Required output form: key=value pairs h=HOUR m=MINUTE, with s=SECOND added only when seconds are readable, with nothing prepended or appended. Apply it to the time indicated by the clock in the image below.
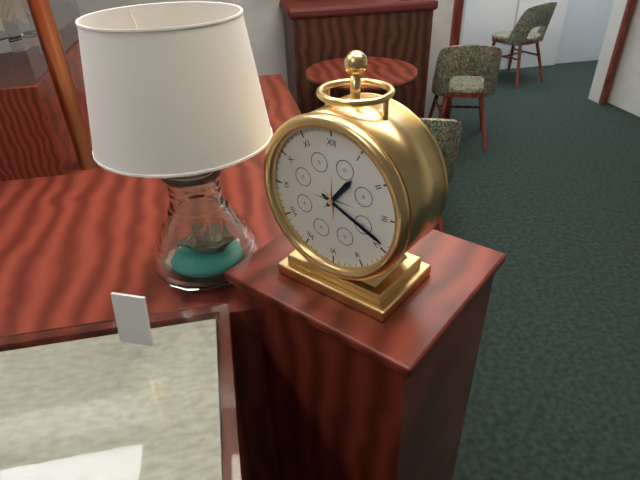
h=1 m=19
